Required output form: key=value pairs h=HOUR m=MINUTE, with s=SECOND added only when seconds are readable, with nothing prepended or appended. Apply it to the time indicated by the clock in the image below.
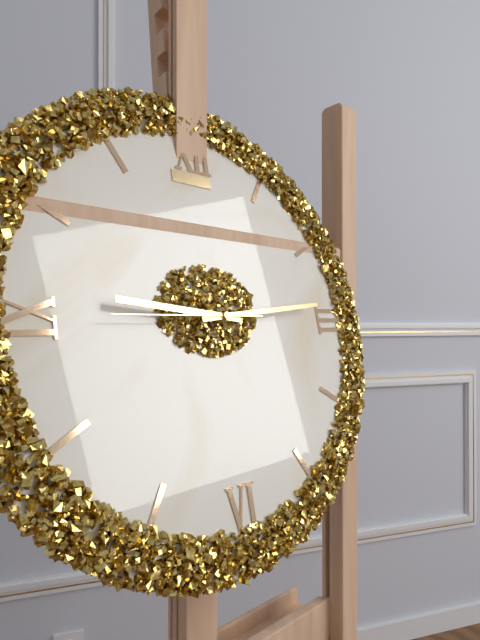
h=9 m=14 s=45
